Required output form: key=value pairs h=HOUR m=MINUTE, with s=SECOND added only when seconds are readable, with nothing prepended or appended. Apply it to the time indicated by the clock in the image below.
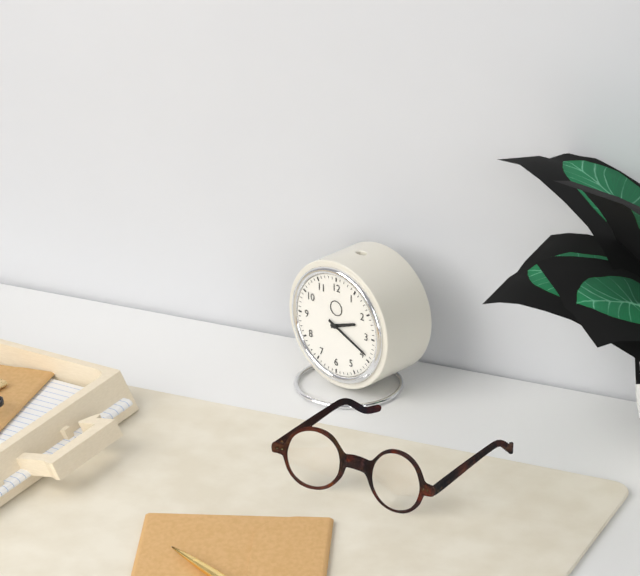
h=2 m=19
